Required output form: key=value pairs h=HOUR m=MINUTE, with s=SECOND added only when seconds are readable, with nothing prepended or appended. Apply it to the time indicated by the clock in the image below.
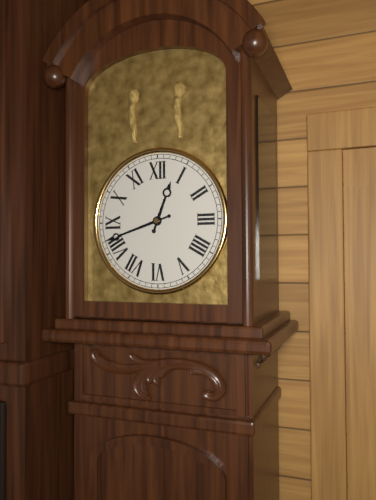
h=12 m=42
